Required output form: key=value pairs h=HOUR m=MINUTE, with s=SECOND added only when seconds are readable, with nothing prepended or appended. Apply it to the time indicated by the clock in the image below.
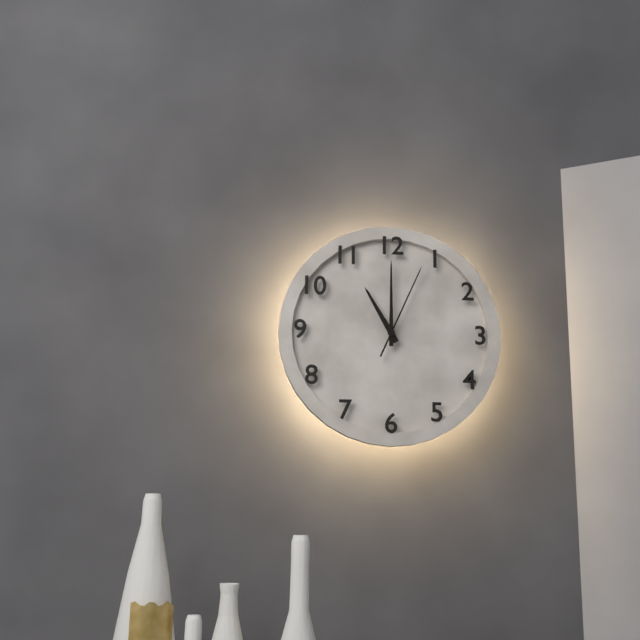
h=11 m=0 s=4
